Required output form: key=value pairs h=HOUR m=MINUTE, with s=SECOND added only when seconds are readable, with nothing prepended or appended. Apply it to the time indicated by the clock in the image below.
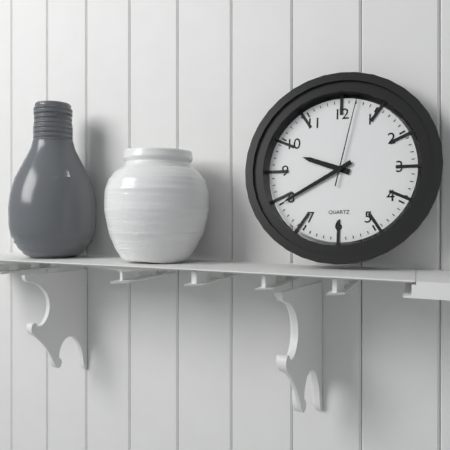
h=9 m=40 s=2
